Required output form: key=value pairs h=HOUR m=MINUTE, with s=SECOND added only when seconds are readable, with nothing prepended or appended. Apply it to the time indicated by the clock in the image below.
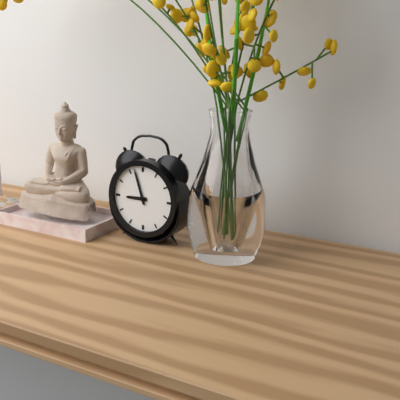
h=8 m=57
